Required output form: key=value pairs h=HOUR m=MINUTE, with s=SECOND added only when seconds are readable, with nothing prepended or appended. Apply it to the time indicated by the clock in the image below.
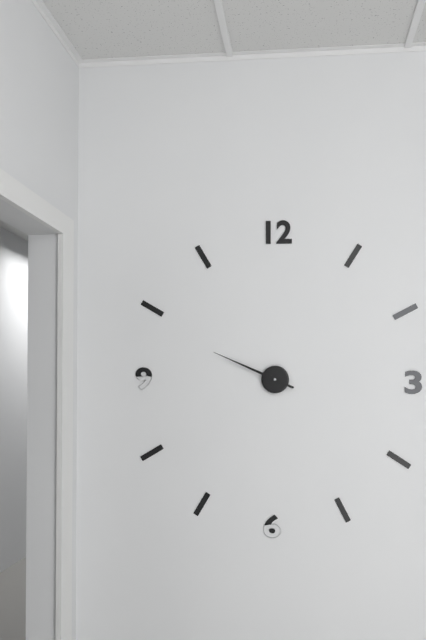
h=9 m=49
